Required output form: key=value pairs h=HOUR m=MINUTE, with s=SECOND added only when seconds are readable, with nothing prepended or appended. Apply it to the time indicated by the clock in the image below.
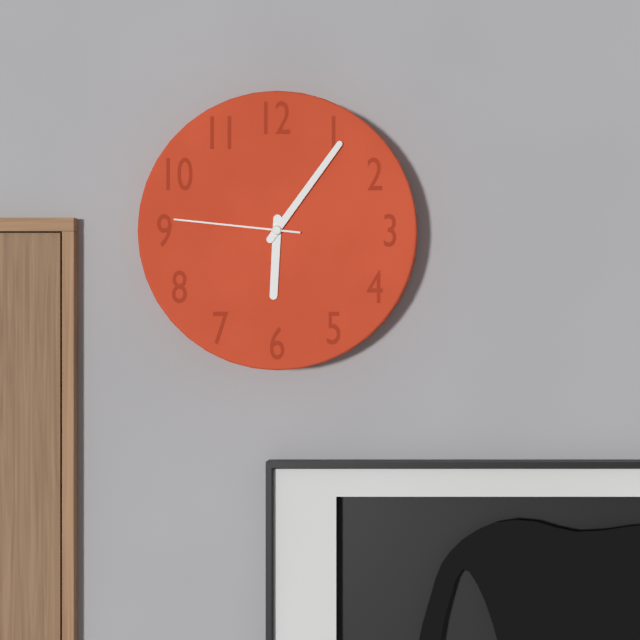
h=6 m=6 s=46
